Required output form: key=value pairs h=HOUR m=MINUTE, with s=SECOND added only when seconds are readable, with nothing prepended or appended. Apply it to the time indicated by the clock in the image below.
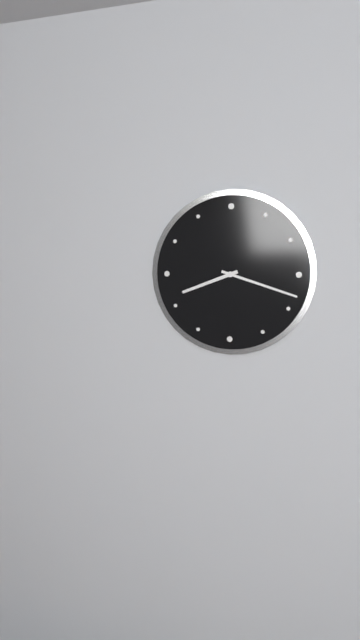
h=8 m=18
